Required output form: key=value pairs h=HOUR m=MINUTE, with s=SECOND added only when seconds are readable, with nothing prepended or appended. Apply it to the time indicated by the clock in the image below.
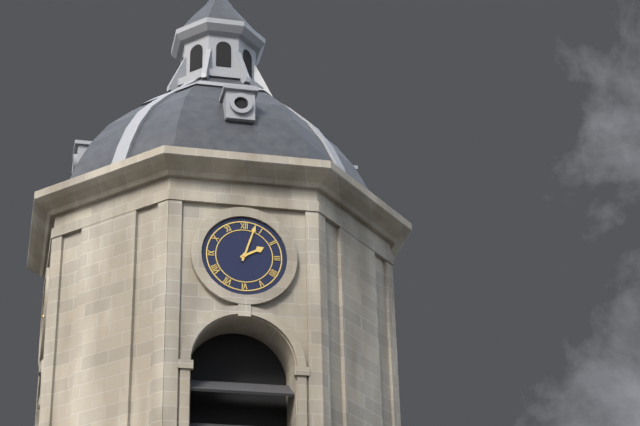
h=2 m=3
